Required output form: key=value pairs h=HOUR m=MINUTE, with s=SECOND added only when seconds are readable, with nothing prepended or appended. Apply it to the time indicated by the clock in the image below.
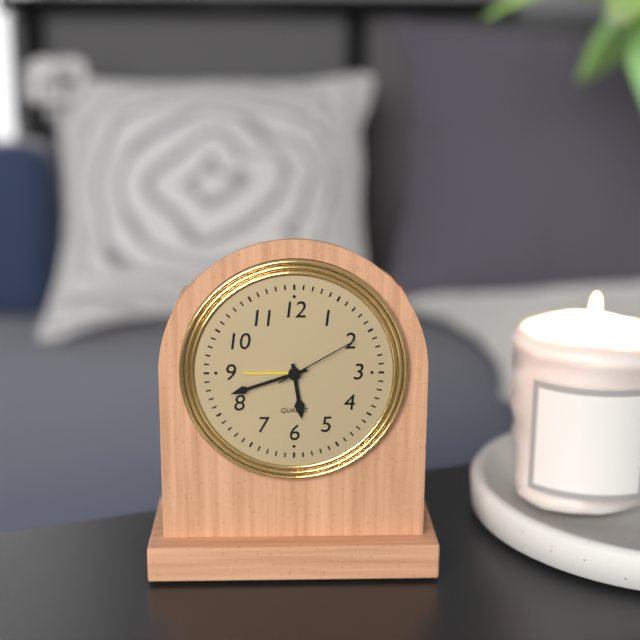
h=5 m=42 s=10
